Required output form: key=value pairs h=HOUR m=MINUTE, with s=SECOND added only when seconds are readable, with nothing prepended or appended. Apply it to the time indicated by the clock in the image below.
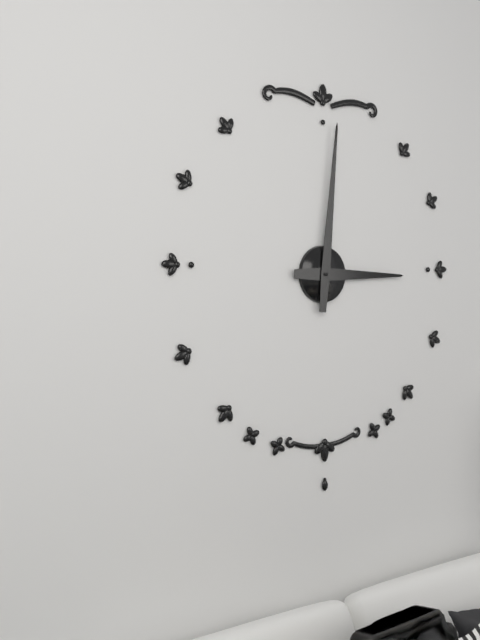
h=3 m=1
